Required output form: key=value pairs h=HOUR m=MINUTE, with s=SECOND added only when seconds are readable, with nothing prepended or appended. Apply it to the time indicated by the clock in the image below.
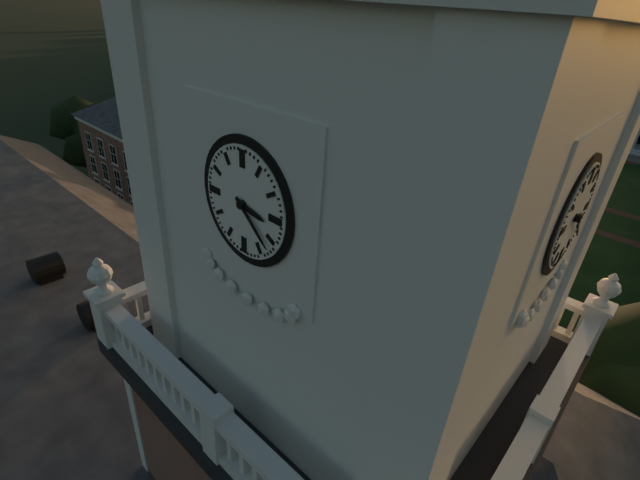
h=3 m=22
